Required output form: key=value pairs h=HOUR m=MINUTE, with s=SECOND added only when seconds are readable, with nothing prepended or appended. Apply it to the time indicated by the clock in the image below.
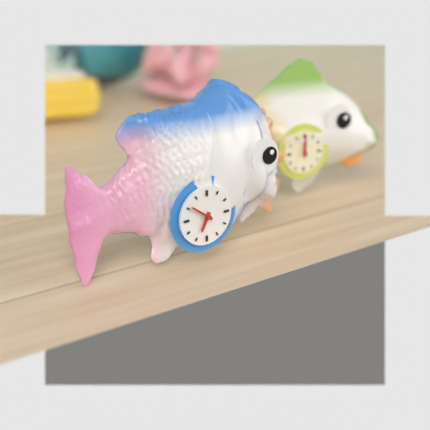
h=6 m=51
